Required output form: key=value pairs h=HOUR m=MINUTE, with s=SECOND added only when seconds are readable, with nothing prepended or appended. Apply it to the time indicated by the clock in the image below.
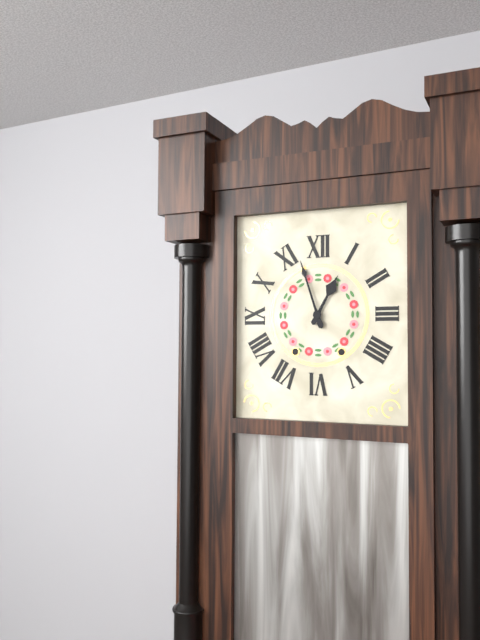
h=12 m=57
